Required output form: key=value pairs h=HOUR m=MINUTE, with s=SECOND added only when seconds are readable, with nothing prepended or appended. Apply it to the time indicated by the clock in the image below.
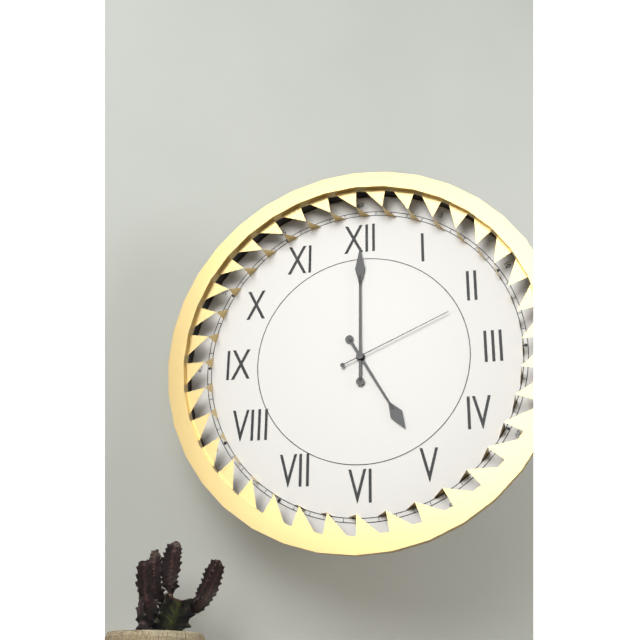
h=5 m=0 s=11
